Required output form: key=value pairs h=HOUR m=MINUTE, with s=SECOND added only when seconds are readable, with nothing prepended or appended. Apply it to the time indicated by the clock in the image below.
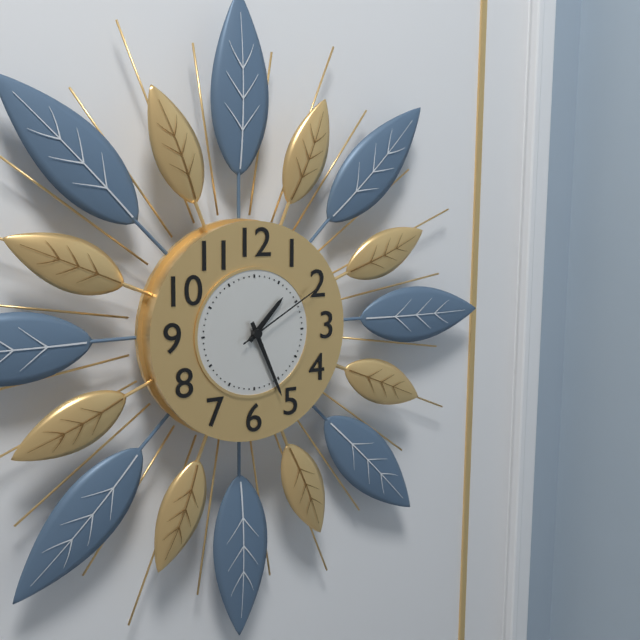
h=1 m=26 s=10
